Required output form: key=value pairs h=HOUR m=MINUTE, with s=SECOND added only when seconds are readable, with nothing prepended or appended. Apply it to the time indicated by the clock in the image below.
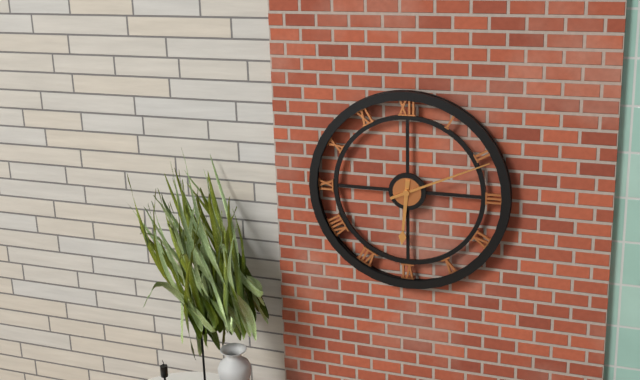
h=6 m=11
